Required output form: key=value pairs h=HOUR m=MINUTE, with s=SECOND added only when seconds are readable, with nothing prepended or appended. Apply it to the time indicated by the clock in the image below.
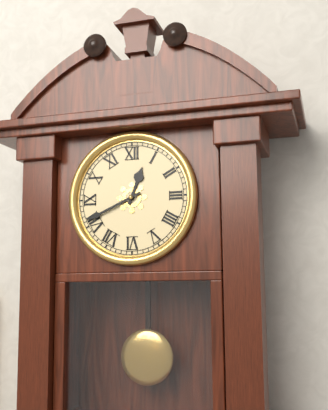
h=12 m=41
